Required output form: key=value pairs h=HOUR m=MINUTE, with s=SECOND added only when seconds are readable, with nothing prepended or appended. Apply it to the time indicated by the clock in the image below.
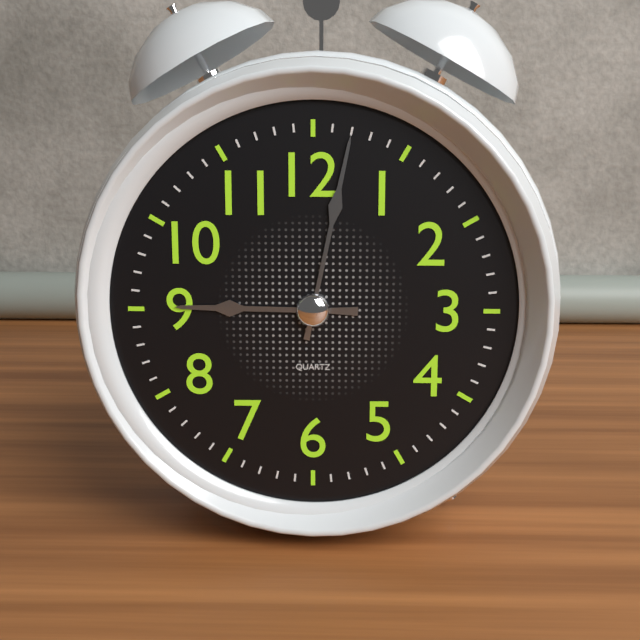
h=9 m=2
